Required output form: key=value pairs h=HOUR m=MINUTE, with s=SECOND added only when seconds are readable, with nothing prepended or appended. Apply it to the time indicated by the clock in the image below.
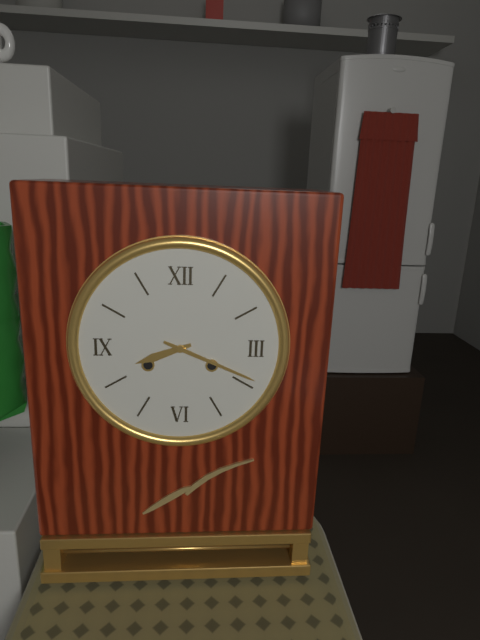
h=8 m=19
